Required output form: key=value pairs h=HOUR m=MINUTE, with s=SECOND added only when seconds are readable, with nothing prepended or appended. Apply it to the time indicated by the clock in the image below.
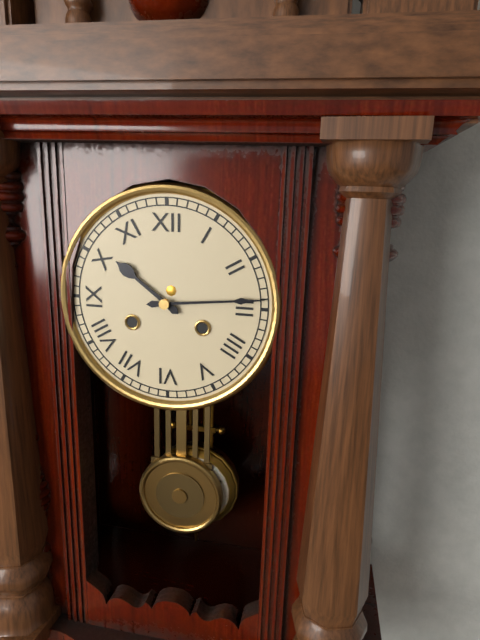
h=10 m=14
